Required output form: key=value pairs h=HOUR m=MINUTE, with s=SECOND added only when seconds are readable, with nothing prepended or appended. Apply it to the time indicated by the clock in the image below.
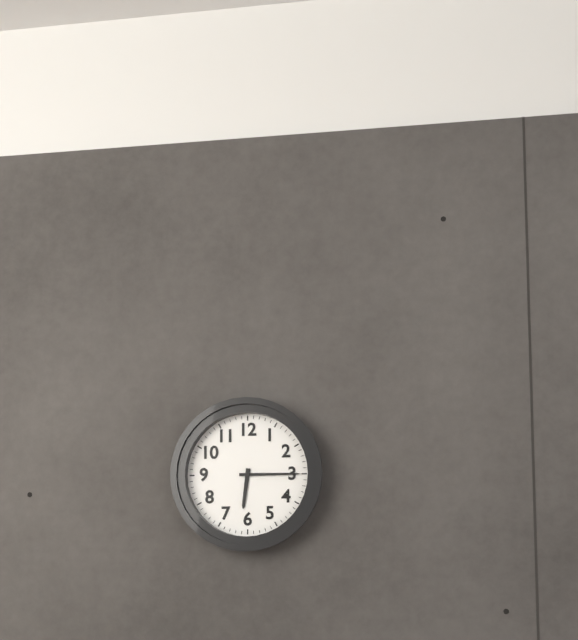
h=6 m=15
